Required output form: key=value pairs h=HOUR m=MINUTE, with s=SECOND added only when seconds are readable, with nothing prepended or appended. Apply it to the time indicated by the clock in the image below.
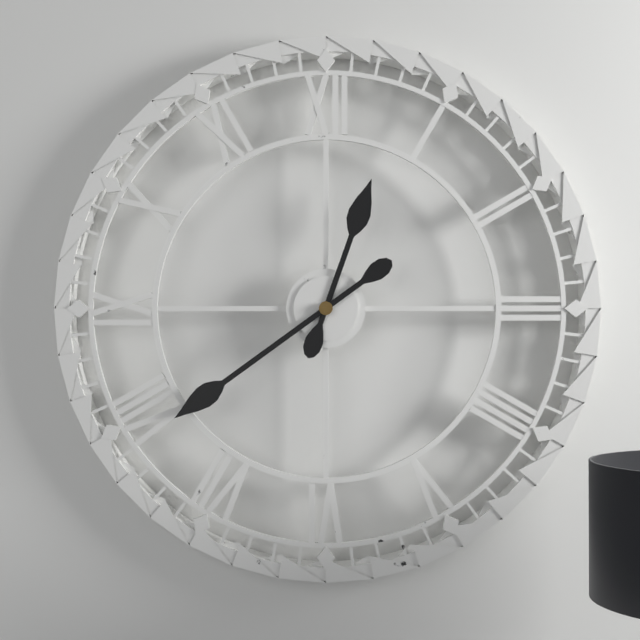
h=12 m=39
